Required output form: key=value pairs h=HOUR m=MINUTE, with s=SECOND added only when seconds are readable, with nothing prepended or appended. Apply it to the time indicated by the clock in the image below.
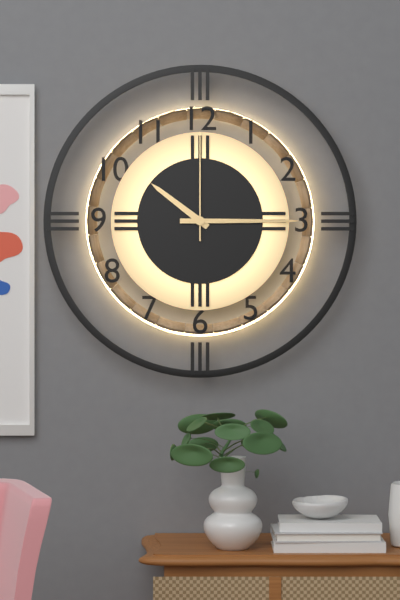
h=10 m=15 s=0
